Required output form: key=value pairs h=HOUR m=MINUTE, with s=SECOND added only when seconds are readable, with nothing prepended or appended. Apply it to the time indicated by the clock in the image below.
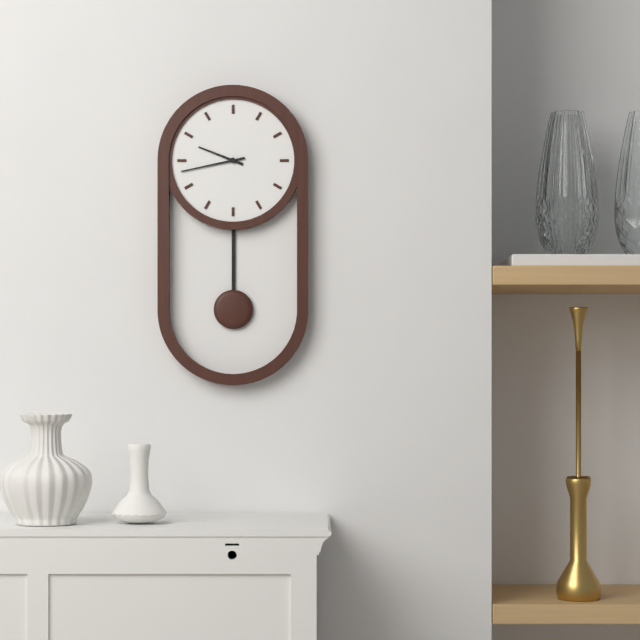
h=9 m=43
